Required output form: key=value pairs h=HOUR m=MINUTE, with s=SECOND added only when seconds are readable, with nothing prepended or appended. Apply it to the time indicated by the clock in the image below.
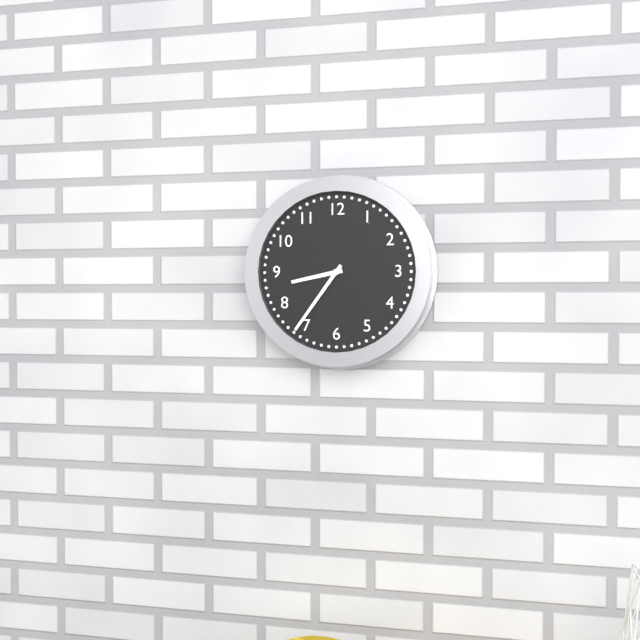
h=8 m=36
